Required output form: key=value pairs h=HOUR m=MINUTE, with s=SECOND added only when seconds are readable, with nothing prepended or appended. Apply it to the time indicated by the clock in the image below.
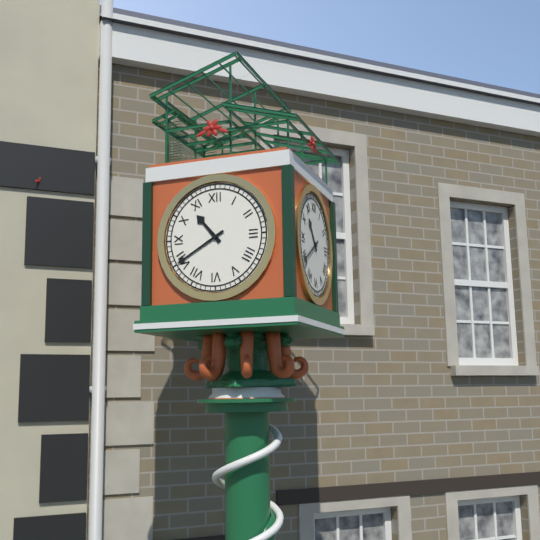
h=10 m=40
